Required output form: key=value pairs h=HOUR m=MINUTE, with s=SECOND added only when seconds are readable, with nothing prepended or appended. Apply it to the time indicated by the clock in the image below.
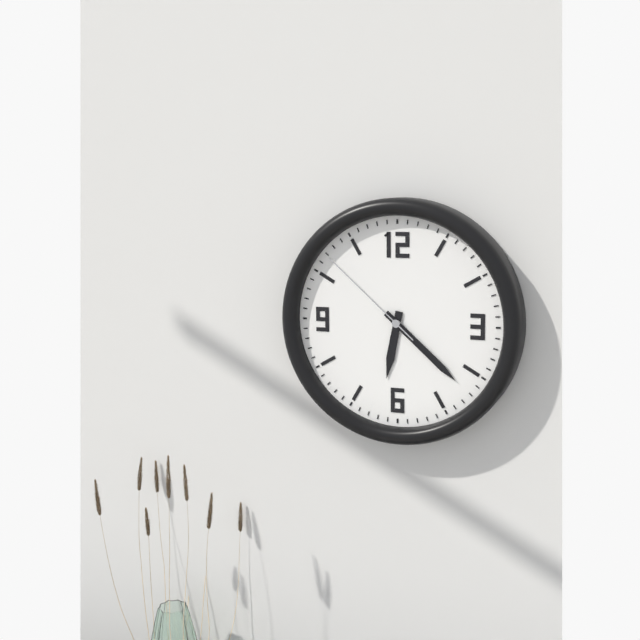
h=6 m=22 s=52
